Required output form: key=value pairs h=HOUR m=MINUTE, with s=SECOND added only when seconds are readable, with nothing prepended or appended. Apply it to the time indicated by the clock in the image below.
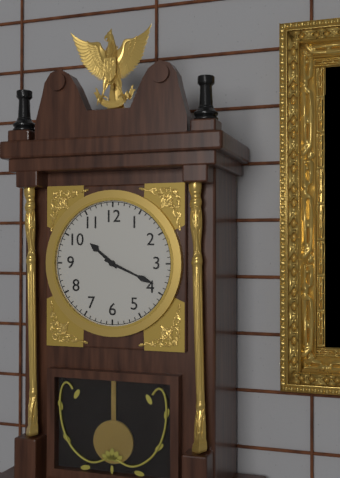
h=10 m=19
